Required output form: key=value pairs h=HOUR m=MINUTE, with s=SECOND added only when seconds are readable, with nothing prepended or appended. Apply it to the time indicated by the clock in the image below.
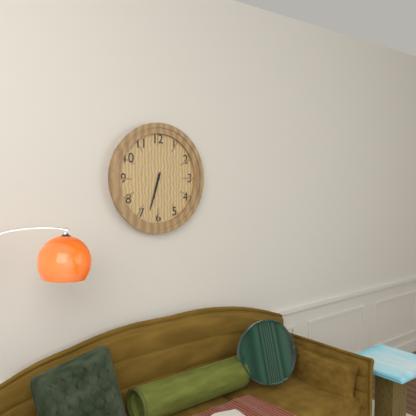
h=6 m=33
